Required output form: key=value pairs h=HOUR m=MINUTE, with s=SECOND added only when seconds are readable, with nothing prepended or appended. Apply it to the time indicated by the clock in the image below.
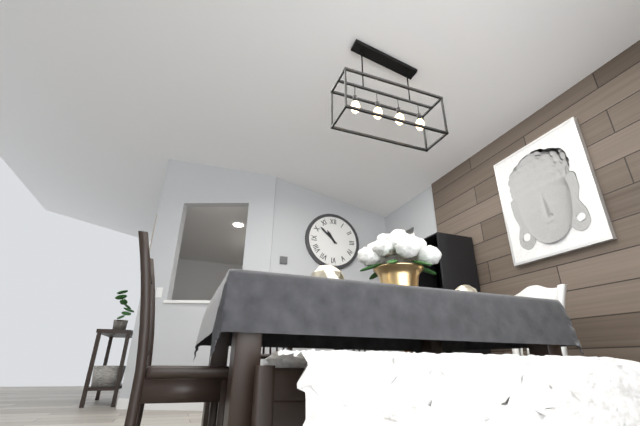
h=10 m=52
